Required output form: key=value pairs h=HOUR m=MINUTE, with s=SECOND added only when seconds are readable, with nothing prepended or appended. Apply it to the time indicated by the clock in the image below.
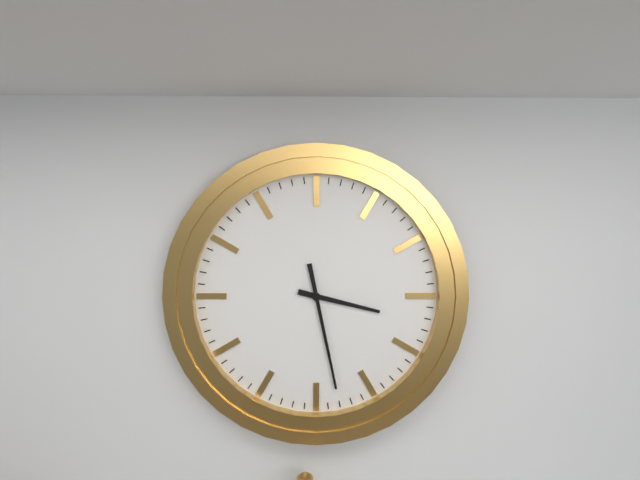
h=3 m=28
